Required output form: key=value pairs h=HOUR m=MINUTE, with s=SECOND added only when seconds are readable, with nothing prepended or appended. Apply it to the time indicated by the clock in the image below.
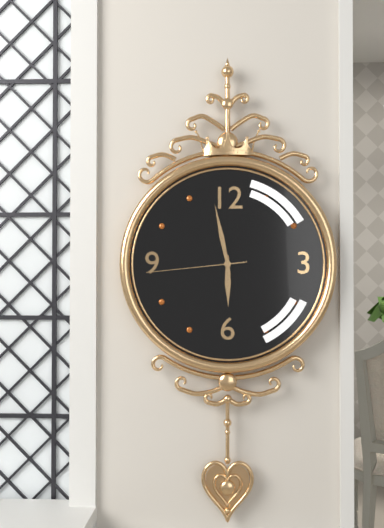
h=5 m=58 s=44
